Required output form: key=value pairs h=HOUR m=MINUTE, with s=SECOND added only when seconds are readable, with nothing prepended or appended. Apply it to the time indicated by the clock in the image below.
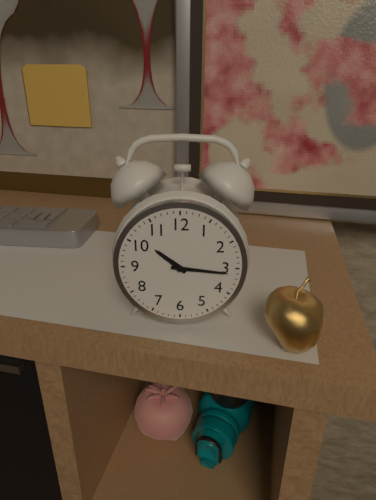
h=10 m=16
